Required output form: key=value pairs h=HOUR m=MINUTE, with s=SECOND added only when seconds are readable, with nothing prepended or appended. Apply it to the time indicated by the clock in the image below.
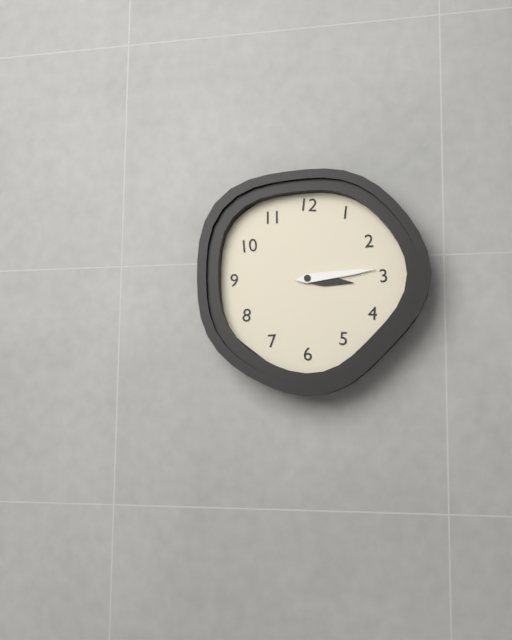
h=3 m=14
